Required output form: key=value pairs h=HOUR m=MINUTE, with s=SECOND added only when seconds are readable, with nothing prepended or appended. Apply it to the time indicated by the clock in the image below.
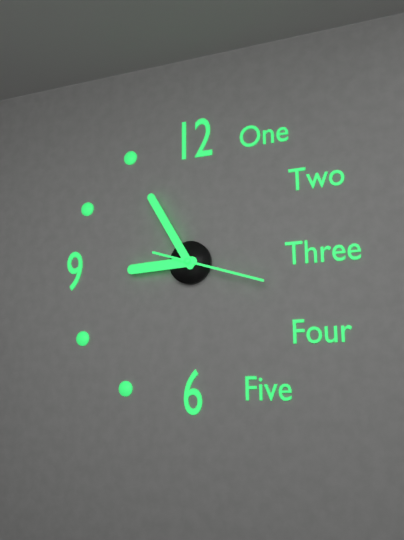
h=8 m=55 s=18
